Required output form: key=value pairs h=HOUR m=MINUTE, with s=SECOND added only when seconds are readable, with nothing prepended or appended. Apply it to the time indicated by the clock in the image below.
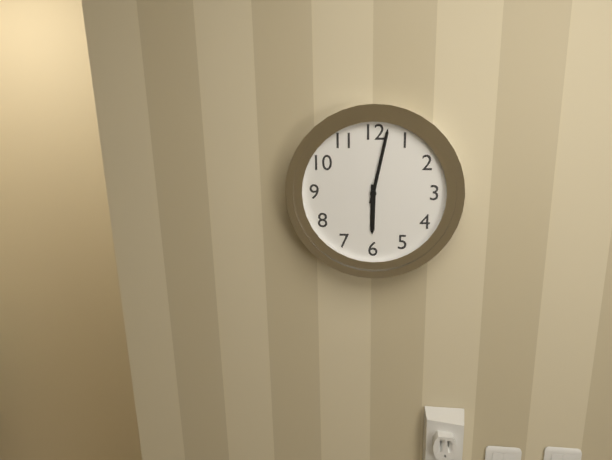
h=6 m=2
